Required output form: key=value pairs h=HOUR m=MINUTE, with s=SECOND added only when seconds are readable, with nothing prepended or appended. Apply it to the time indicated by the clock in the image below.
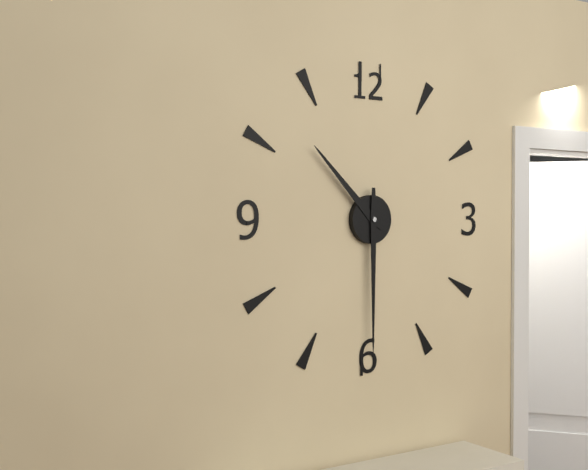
h=10 m=30
